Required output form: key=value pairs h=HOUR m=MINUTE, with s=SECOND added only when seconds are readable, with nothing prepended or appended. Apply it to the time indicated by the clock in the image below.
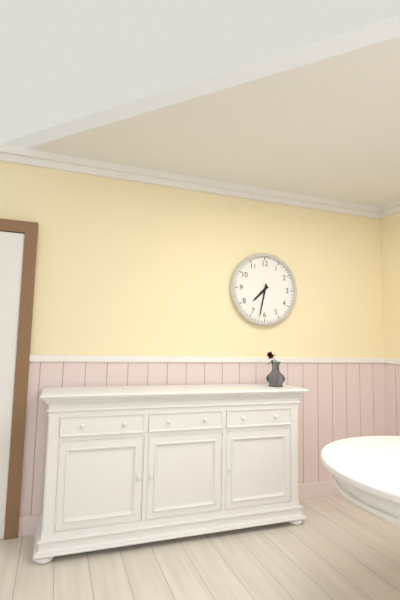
h=7 m=32
